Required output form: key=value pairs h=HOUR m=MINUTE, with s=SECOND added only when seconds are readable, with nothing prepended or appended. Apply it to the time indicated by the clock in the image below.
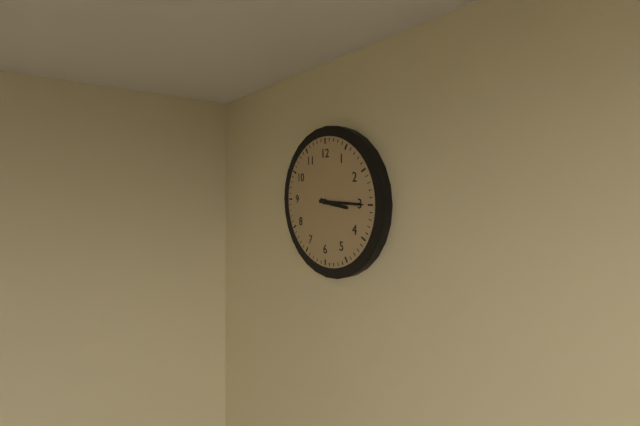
h=3 m=15
